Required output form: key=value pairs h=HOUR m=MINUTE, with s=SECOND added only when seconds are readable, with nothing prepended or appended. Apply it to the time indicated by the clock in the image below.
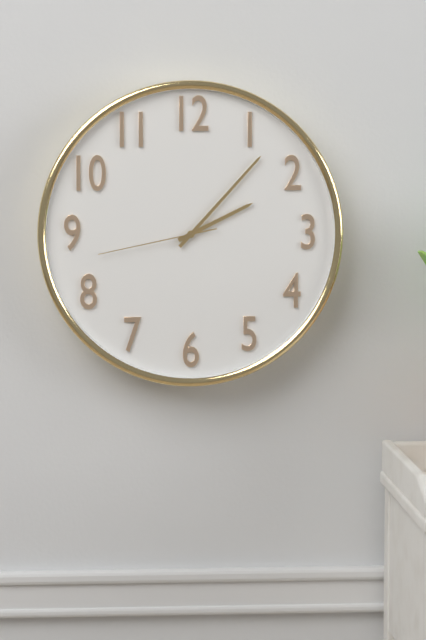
h=2 m=7 s=43
